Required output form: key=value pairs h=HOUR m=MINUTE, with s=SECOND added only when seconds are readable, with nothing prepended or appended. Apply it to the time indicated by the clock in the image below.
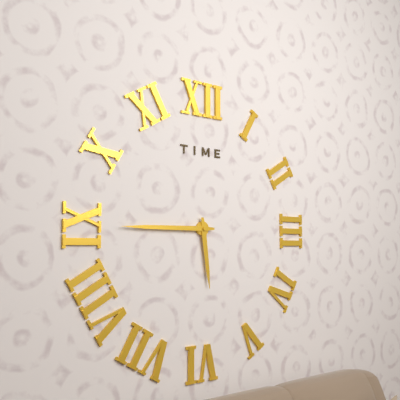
h=5 m=45
